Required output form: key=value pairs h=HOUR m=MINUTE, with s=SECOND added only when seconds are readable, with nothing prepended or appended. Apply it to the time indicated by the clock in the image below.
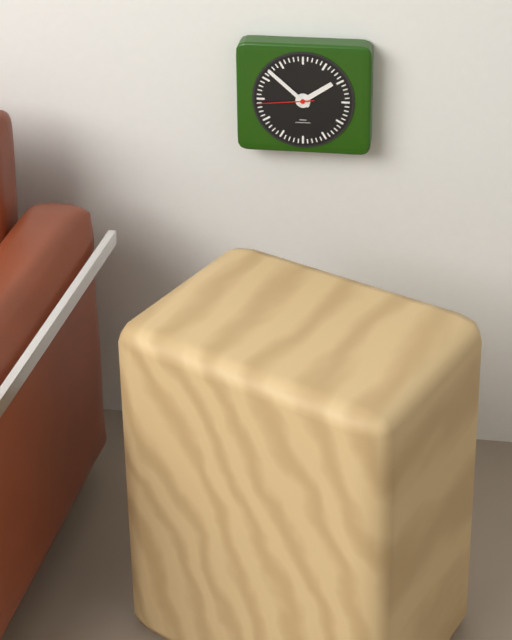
h=1 m=52 s=44
